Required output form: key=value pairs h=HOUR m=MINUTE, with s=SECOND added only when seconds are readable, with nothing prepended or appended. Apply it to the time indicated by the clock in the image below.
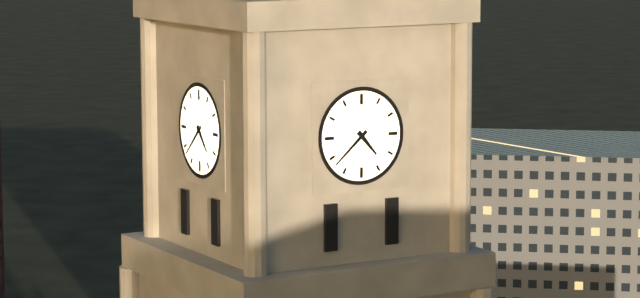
h=4 m=38
